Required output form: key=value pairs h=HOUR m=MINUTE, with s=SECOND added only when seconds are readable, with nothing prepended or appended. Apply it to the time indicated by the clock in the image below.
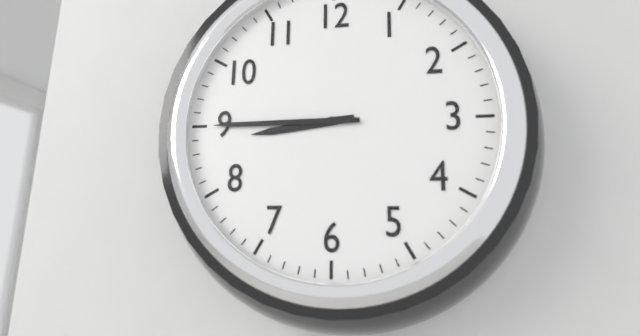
h=8 m=45
